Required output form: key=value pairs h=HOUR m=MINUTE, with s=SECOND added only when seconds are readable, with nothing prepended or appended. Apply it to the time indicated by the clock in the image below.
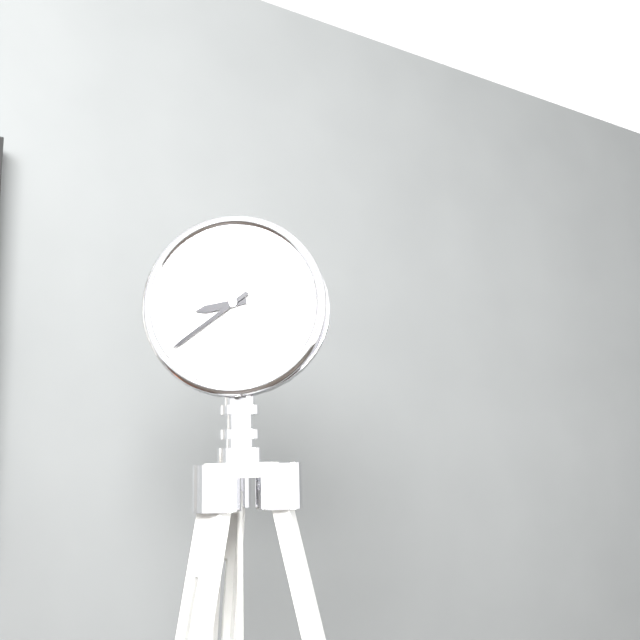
h=8 m=39
